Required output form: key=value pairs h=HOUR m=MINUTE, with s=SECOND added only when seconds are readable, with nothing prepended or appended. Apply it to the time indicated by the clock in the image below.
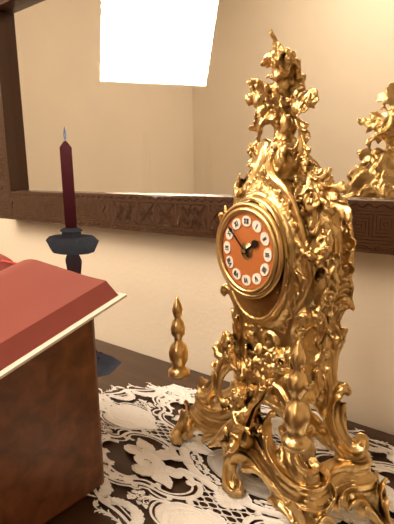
h=1 m=52
